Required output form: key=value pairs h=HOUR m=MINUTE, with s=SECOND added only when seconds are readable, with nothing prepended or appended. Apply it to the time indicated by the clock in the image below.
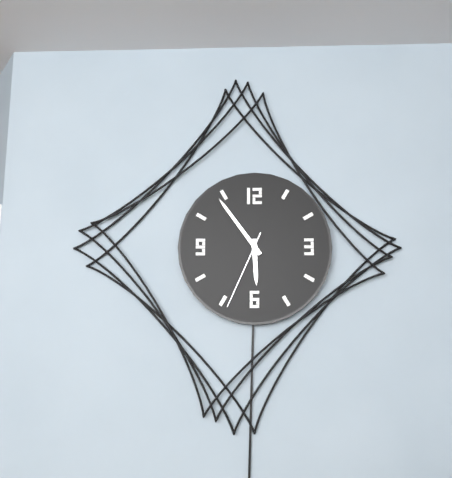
h=5 m=54 s=34
